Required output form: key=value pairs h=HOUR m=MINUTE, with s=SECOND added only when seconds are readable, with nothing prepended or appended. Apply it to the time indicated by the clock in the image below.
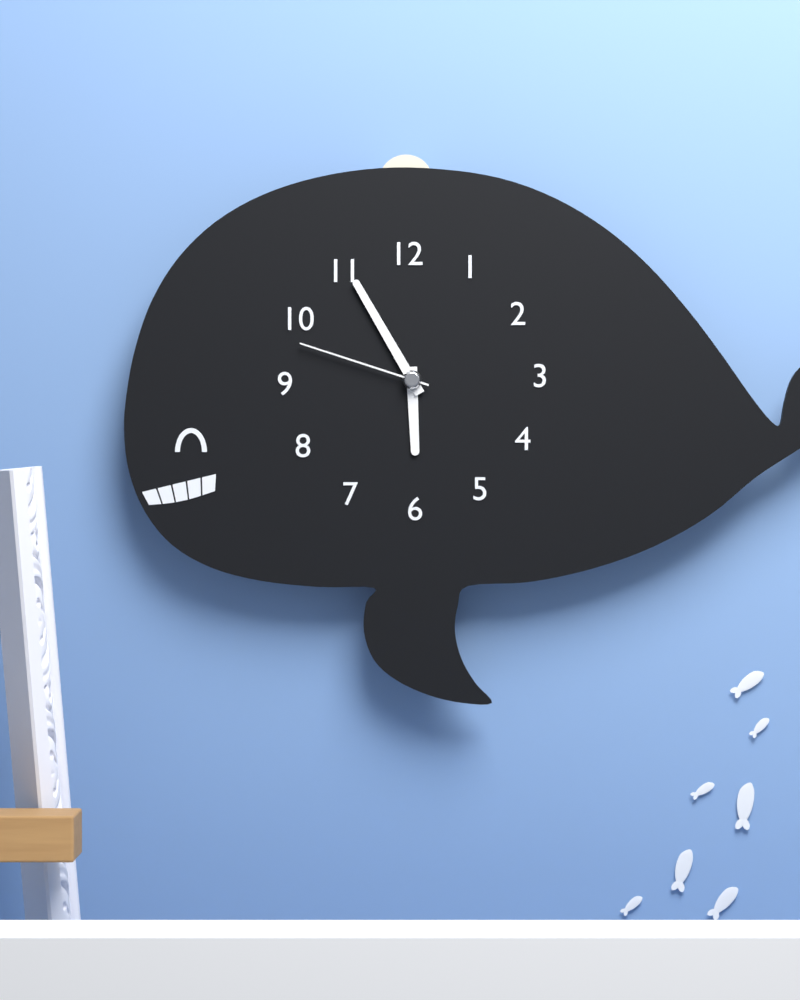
h=5 m=55 s=48
